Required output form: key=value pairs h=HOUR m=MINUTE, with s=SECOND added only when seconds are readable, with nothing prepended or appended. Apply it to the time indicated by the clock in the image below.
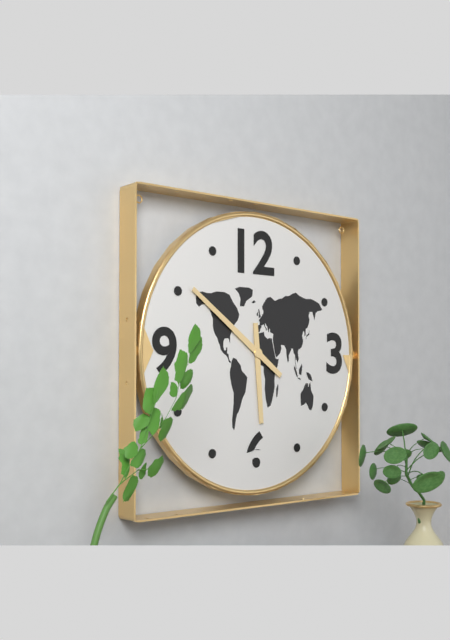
h=5 m=51
